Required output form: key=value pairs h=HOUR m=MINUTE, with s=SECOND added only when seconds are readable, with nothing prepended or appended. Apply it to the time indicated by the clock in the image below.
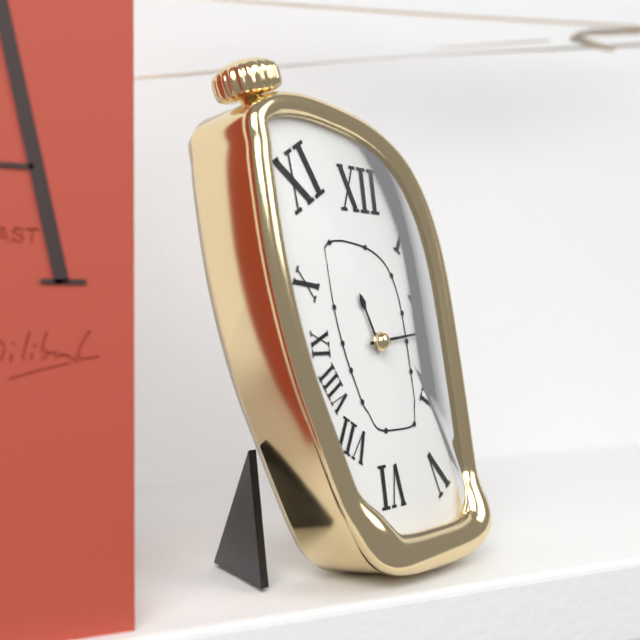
h=11 m=14
